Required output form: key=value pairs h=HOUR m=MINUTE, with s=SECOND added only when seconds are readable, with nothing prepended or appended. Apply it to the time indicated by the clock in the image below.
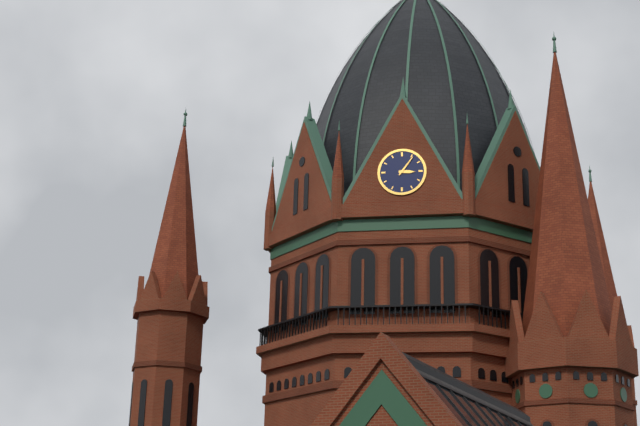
h=3 m=6
